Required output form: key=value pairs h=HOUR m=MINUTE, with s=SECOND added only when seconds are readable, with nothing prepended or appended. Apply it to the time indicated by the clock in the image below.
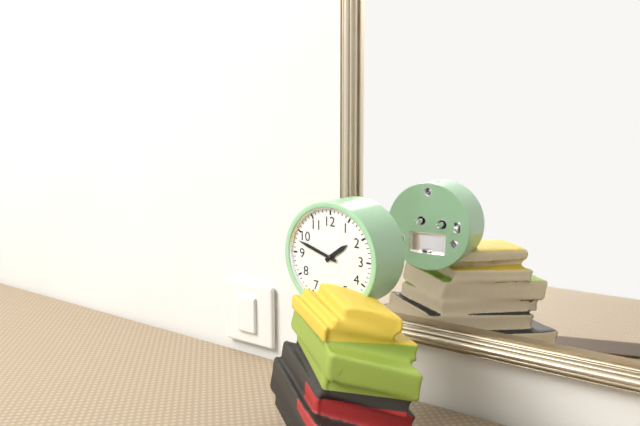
h=1 m=48
